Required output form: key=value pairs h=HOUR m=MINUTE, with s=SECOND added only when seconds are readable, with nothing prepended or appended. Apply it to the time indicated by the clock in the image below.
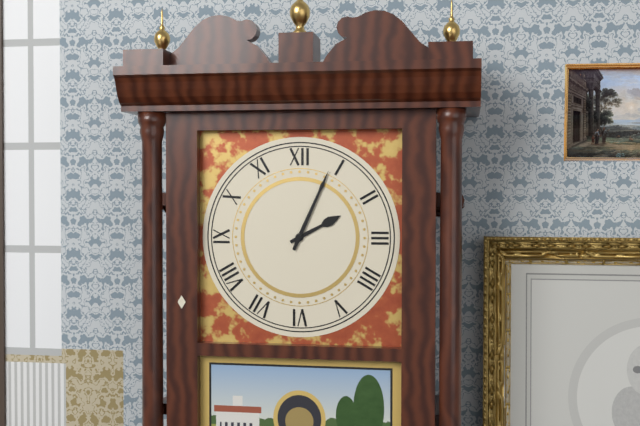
h=2 m=4
